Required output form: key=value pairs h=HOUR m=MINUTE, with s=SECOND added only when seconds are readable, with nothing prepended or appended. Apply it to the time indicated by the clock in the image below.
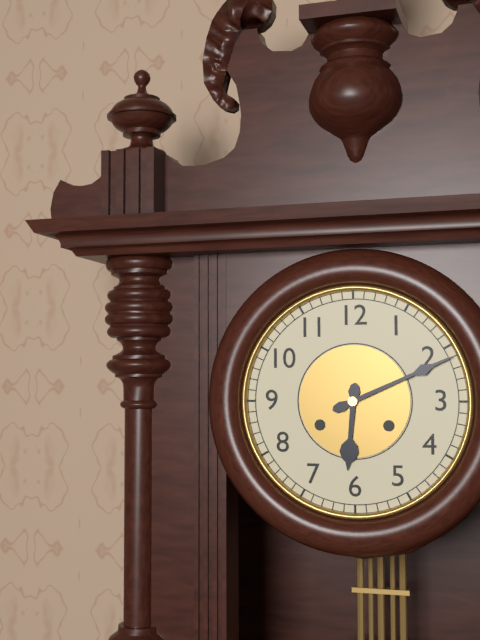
h=6 m=11
